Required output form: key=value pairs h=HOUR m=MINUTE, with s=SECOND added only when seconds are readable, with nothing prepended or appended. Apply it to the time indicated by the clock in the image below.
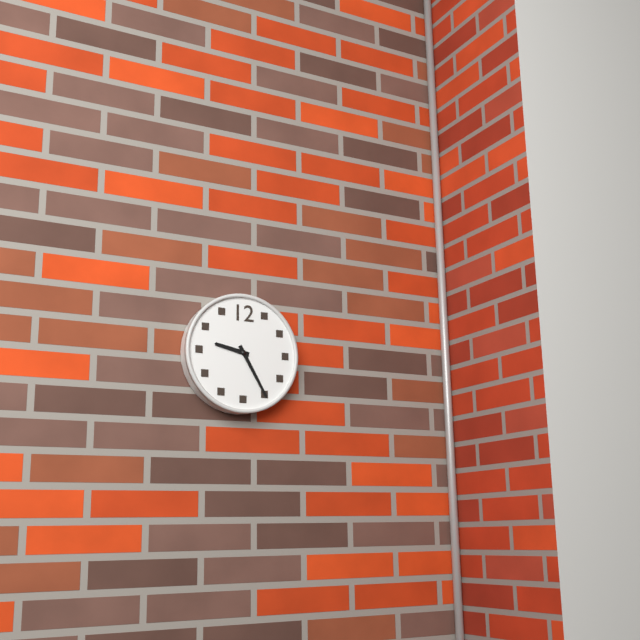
h=9 m=25
